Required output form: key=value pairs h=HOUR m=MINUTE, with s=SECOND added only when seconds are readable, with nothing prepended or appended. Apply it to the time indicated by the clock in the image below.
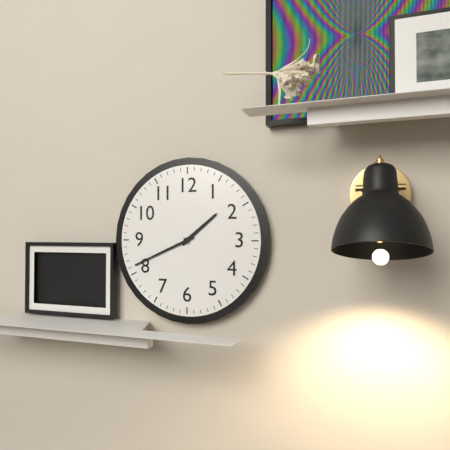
h=1 m=41
